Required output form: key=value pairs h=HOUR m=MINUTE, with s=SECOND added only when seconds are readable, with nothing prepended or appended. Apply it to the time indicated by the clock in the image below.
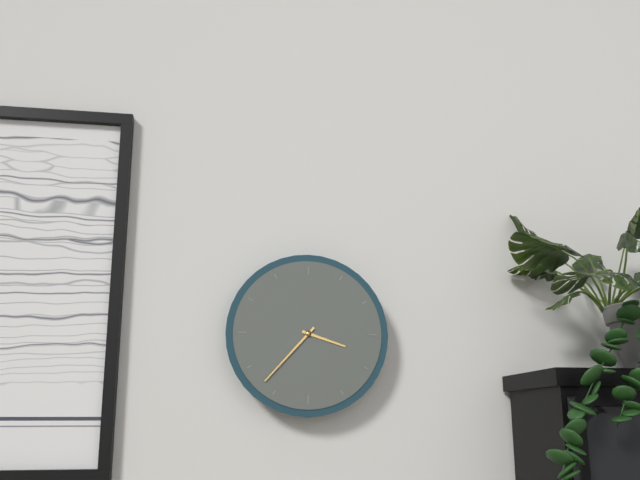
h=3 m=37
